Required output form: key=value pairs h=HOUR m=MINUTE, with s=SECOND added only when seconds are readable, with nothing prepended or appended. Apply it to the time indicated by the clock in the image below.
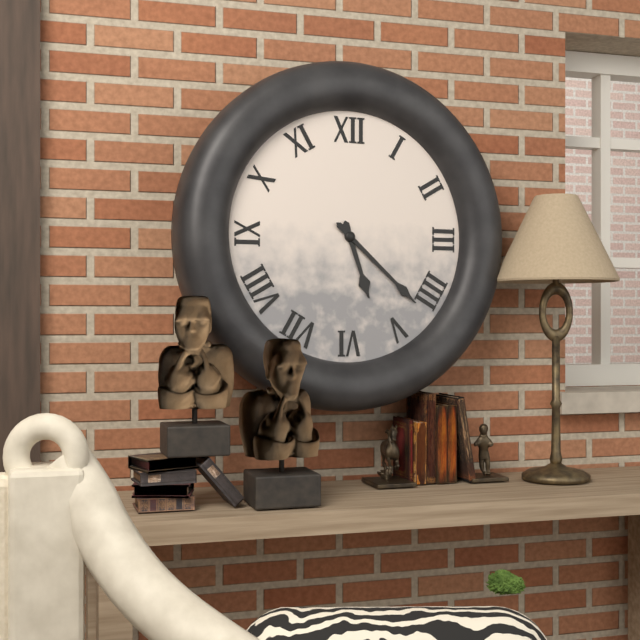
h=5 m=22
